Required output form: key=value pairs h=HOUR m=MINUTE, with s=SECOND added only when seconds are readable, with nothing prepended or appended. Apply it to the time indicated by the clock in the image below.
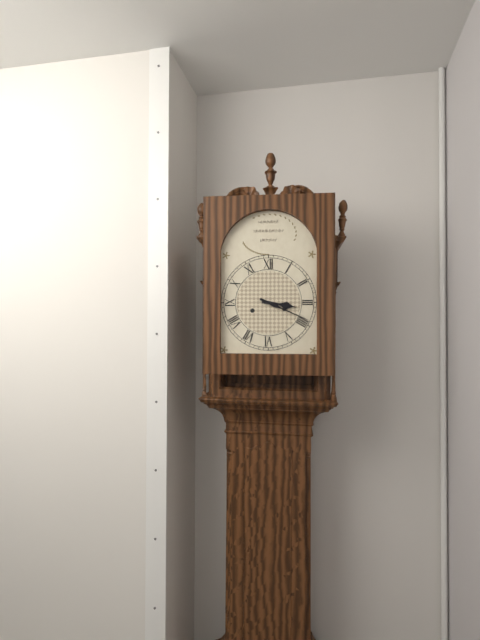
h=3 m=19
